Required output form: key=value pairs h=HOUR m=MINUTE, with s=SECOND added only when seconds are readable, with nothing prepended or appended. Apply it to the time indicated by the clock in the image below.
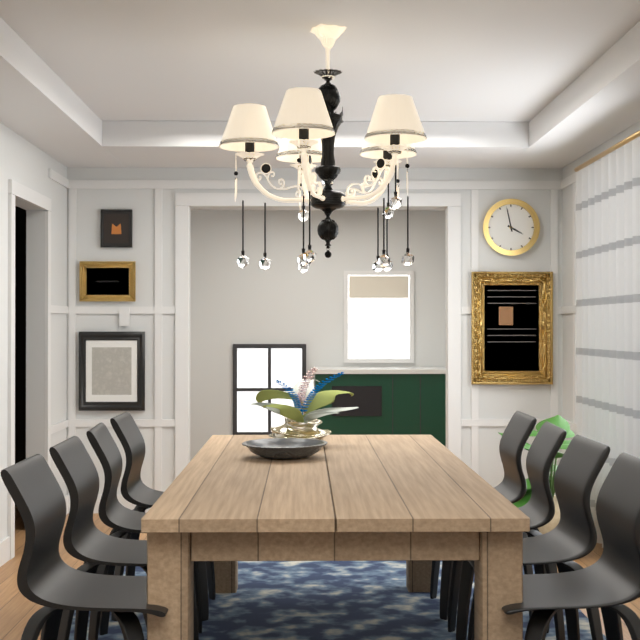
h=3 m=58
